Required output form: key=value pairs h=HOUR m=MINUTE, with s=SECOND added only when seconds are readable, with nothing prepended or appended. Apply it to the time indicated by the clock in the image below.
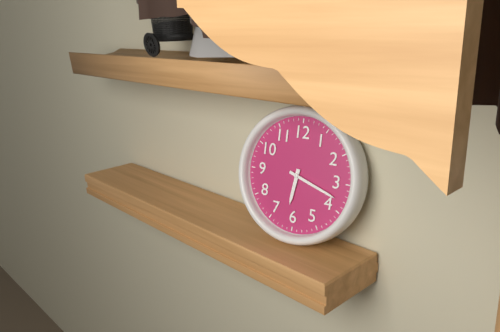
h=6 m=18
